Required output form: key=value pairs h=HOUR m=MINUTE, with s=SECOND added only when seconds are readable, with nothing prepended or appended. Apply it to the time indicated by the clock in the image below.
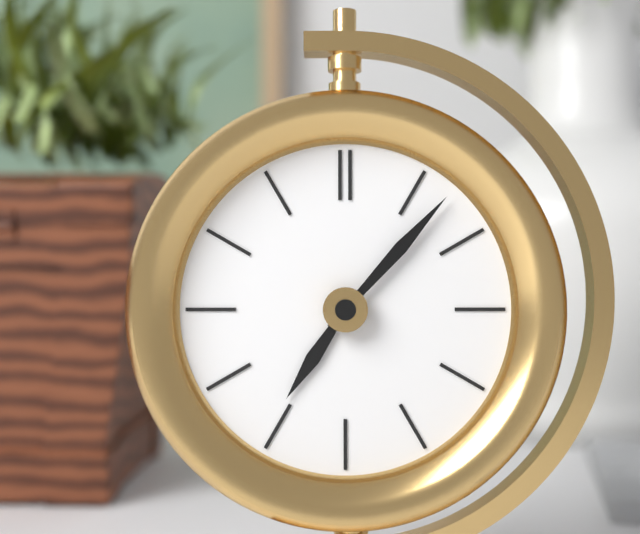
h=7 m=7
